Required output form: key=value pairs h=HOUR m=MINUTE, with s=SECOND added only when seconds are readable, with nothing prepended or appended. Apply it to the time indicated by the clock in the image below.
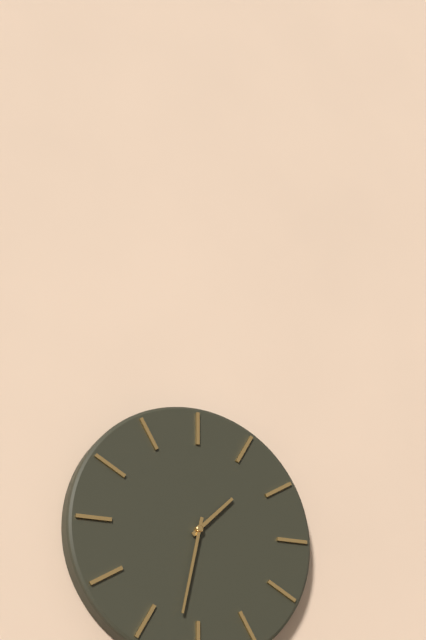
h=1 m=32
